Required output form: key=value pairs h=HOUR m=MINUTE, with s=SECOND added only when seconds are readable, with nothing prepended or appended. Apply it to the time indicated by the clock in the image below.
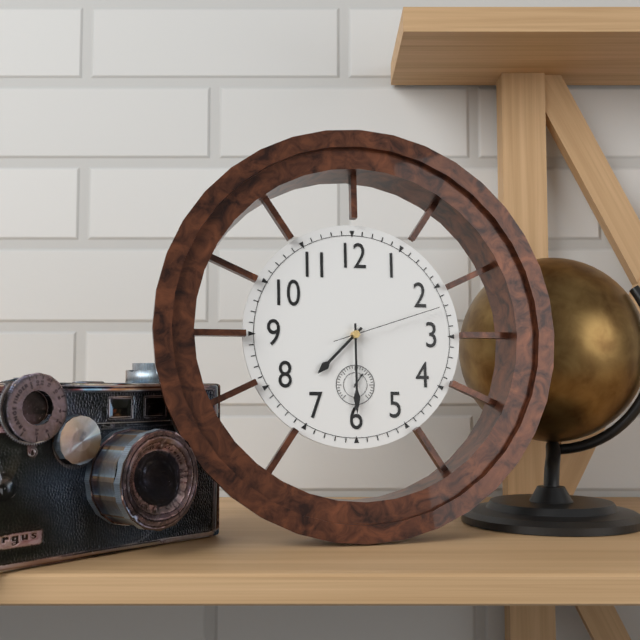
h=7 m=30 s=12
